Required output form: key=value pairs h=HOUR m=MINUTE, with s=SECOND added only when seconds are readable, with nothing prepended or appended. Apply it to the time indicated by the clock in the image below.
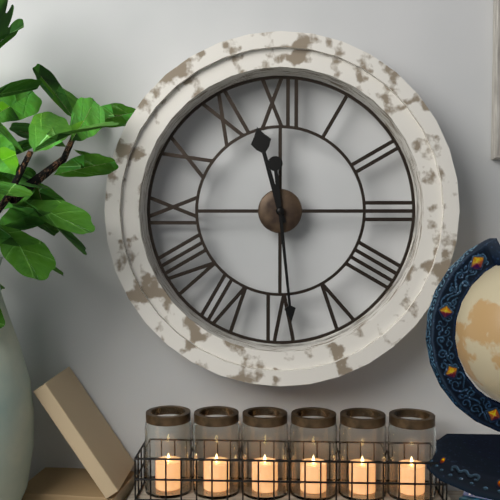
h=11 m=29
